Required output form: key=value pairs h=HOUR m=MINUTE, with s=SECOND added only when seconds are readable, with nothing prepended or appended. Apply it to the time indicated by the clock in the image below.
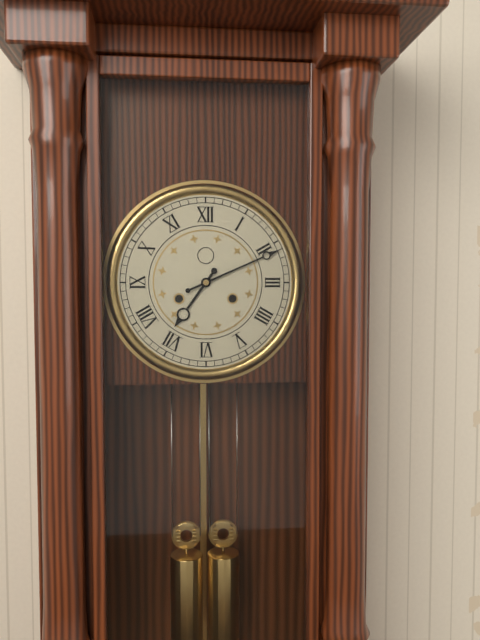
h=7 m=11
